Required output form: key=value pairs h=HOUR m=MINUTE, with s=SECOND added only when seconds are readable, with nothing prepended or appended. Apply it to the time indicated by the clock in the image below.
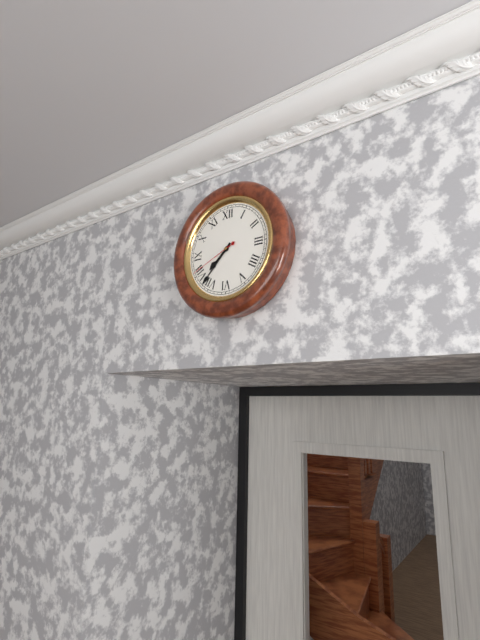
h=7 m=37 s=41
